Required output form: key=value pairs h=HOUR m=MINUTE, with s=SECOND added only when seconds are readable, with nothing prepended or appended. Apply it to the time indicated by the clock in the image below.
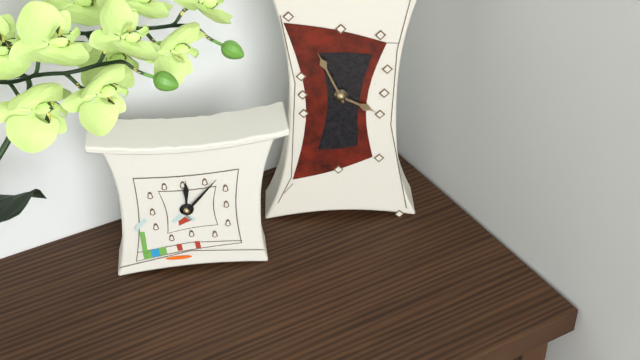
h=3 m=56
